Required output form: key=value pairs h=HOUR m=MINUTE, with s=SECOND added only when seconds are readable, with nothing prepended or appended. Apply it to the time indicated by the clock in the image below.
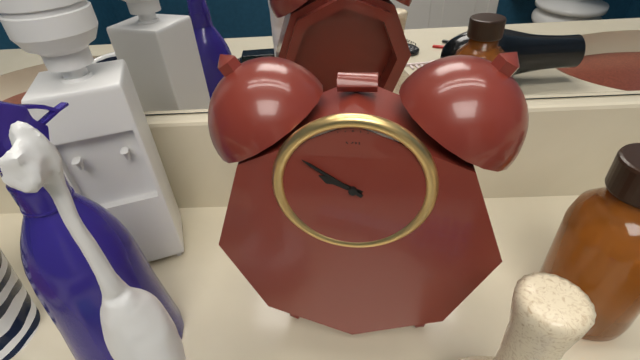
h=9 m=51
